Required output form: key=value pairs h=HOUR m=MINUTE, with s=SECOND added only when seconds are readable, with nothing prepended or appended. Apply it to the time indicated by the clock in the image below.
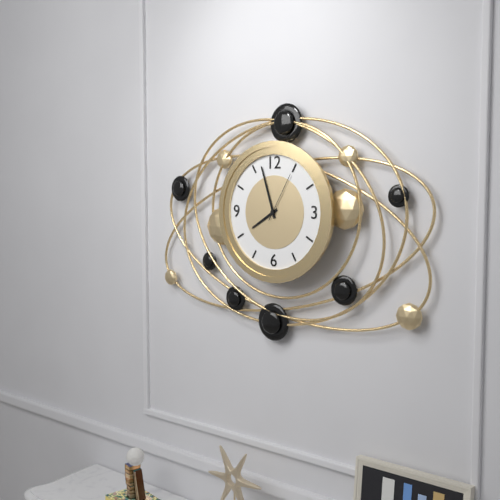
h=7 m=57 s=5
